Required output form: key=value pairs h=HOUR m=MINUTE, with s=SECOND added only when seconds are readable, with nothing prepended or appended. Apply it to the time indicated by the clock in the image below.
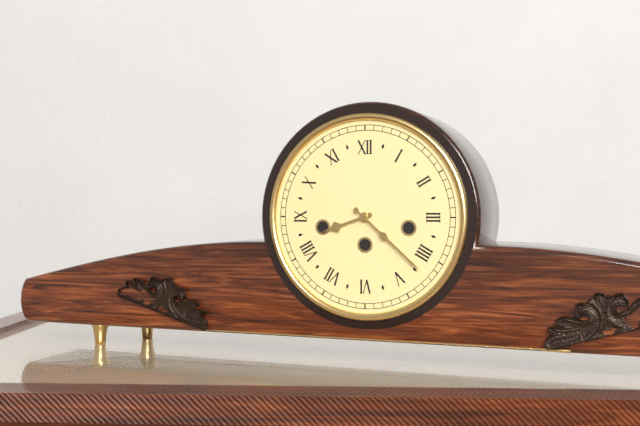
h=8 m=22
